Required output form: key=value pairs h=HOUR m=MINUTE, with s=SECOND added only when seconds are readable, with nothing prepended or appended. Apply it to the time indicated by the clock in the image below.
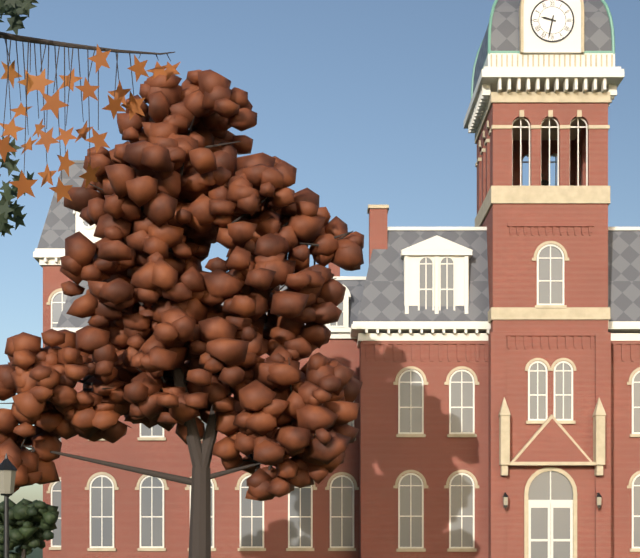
h=9 m=32
